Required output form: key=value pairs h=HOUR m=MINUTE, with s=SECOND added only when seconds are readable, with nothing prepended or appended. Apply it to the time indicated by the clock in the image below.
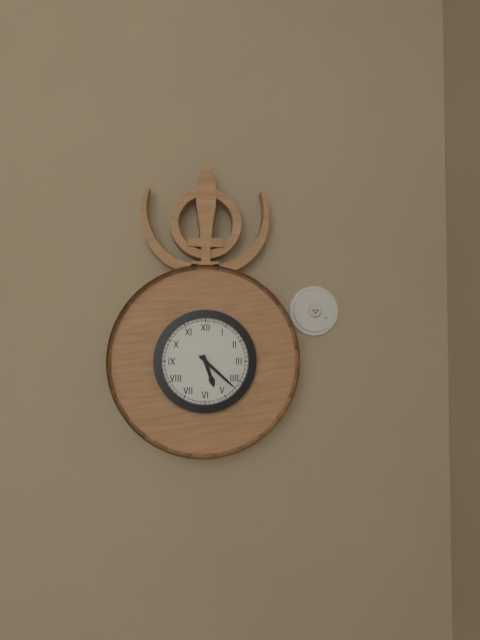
h=5 m=22
